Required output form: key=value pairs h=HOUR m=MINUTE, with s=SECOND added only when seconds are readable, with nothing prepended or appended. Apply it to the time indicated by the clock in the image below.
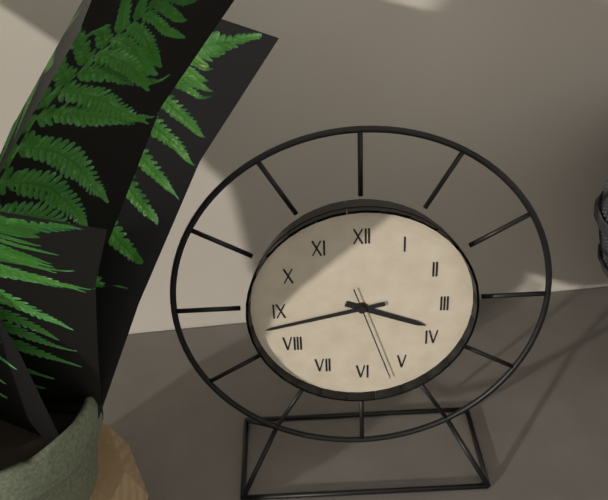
h=3 m=43 s=27
